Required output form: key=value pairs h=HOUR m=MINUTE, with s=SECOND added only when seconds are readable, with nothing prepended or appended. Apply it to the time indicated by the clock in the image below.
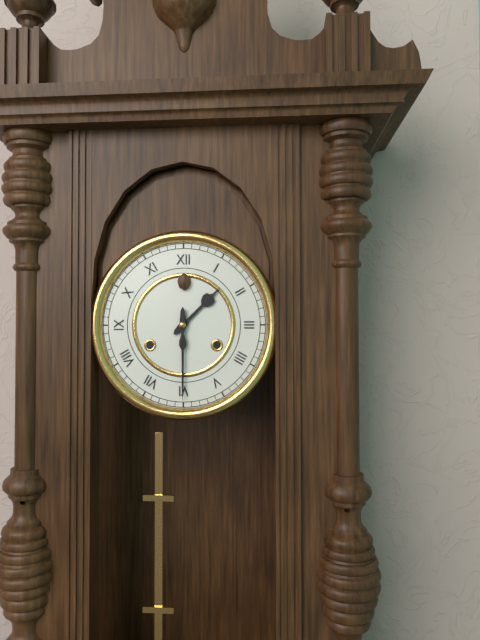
h=1 m=30
